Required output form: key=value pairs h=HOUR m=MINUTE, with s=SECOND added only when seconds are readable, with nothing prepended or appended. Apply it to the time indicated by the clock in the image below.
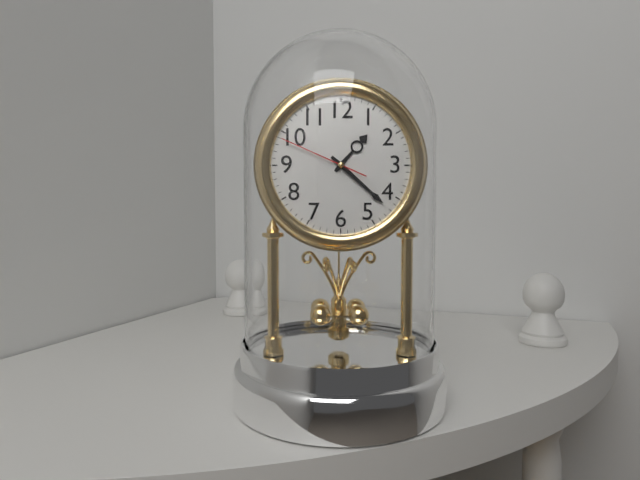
h=1 m=22 s=49
